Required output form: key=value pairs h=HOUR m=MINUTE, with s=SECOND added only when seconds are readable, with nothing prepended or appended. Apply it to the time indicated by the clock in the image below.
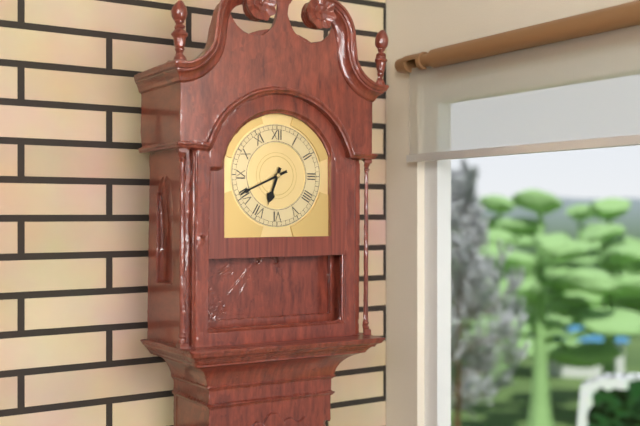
h=6 m=41
